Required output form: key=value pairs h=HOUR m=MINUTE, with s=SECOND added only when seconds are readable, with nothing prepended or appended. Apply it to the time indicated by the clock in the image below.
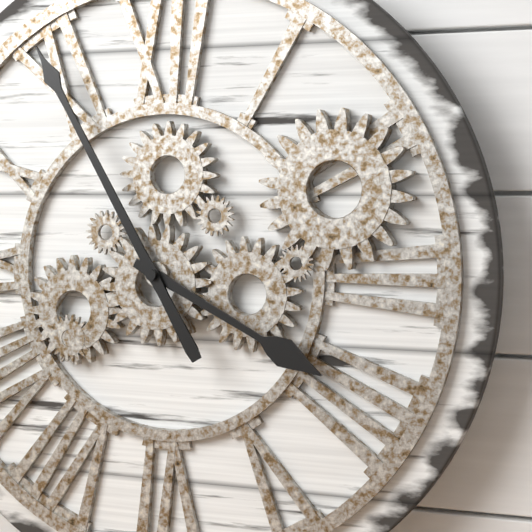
h=3 m=55
